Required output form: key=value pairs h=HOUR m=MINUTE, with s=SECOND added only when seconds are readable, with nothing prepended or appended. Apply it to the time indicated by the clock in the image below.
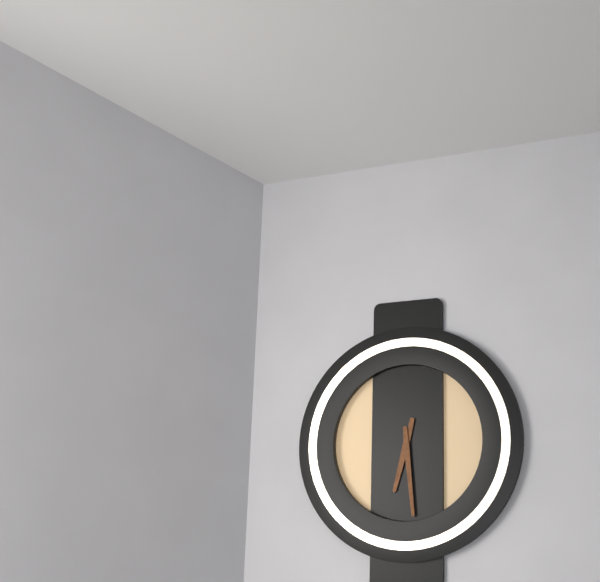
h=6 m=29
